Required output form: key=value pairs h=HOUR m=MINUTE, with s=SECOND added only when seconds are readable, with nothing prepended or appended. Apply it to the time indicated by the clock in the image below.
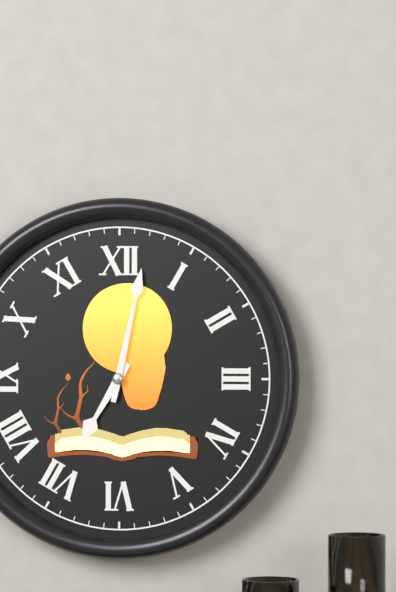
h=7 m=2
